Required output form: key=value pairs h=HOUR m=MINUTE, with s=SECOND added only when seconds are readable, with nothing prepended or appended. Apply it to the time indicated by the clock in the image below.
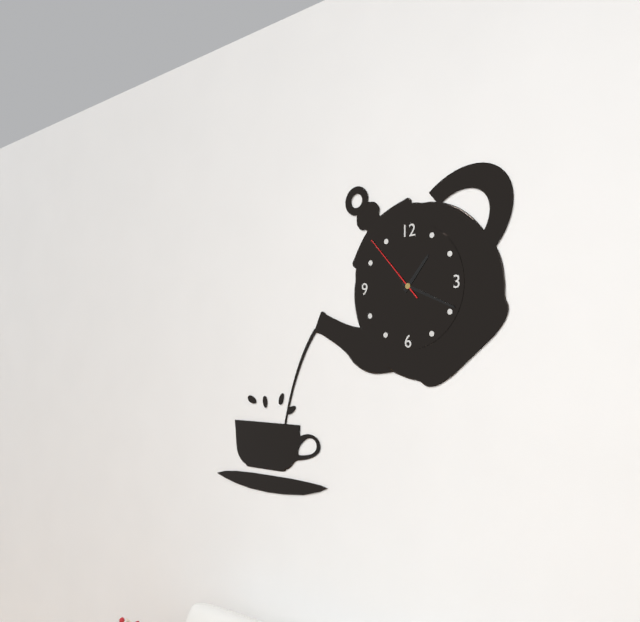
h=1 m=19 s=53
